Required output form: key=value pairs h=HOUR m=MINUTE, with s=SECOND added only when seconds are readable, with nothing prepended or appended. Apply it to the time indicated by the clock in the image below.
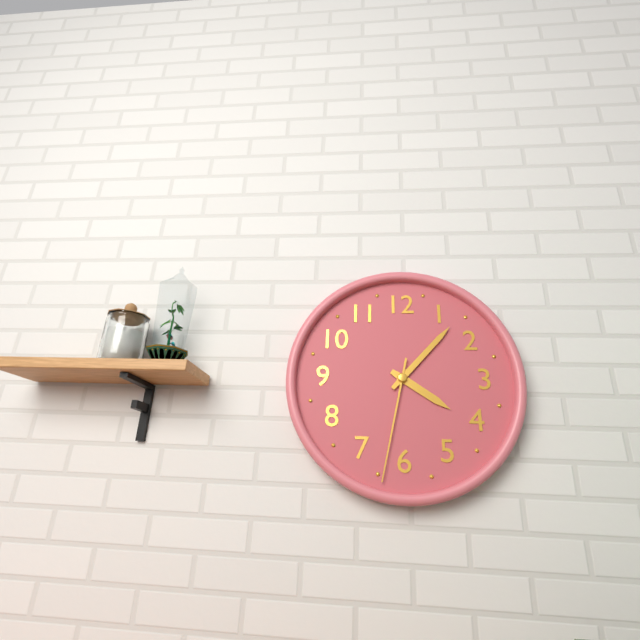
h=4 m=7 s=32
